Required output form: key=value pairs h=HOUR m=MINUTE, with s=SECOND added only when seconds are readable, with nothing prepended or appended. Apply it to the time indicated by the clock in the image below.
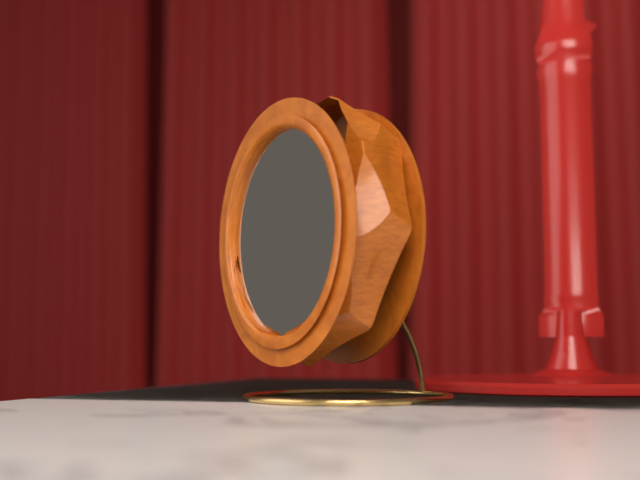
h=6 m=34 s=29
